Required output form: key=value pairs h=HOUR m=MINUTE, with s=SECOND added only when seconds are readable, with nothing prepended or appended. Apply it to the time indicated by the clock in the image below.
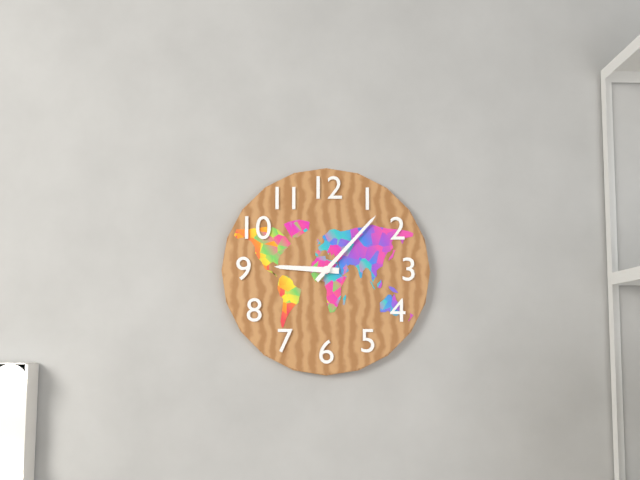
h=9 m=7
